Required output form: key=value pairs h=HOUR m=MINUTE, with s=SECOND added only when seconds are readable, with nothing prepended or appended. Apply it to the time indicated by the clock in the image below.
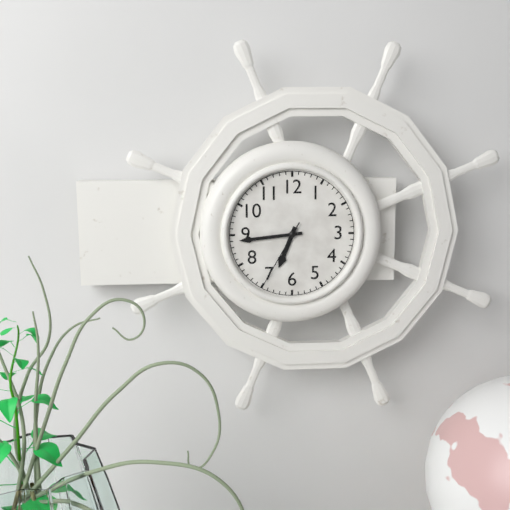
h=6 m=44 s=35
